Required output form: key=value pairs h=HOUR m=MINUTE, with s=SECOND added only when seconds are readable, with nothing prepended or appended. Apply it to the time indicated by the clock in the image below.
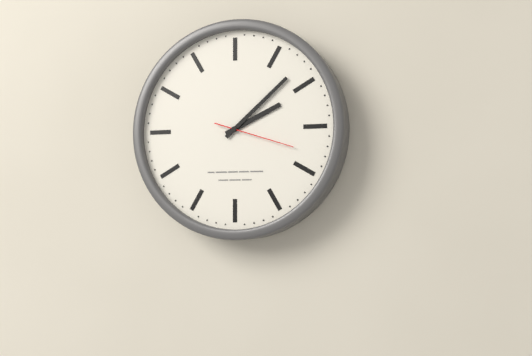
h=2 m=8 s=18
